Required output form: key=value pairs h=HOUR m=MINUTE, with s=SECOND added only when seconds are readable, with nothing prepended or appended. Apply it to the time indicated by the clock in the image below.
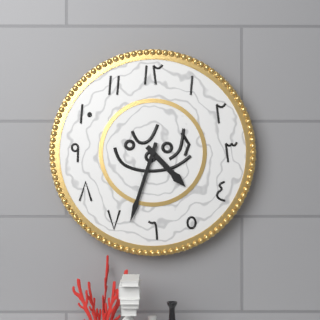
h=4 m=33
